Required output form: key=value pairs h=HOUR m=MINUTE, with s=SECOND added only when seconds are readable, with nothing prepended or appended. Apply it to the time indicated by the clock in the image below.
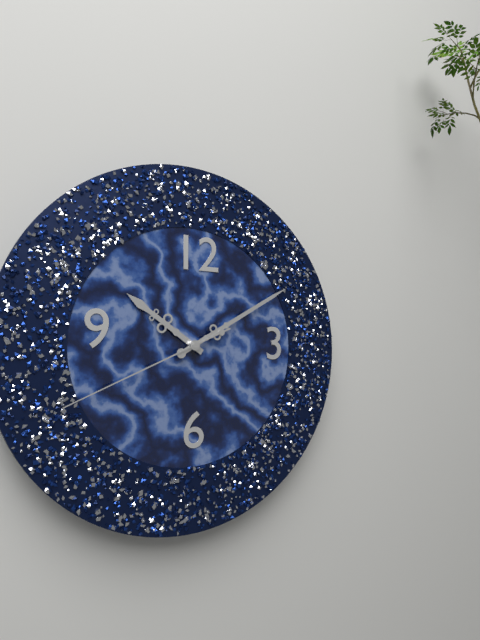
h=10 m=10 s=41
